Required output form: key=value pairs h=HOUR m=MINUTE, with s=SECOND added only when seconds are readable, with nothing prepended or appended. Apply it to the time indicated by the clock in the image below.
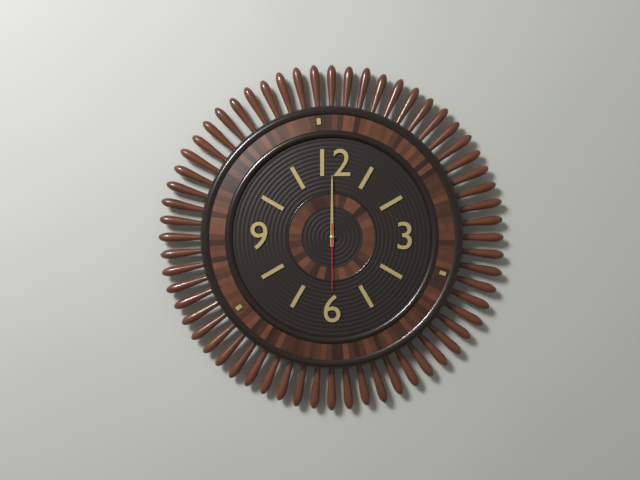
h=12 m=0 s=30
